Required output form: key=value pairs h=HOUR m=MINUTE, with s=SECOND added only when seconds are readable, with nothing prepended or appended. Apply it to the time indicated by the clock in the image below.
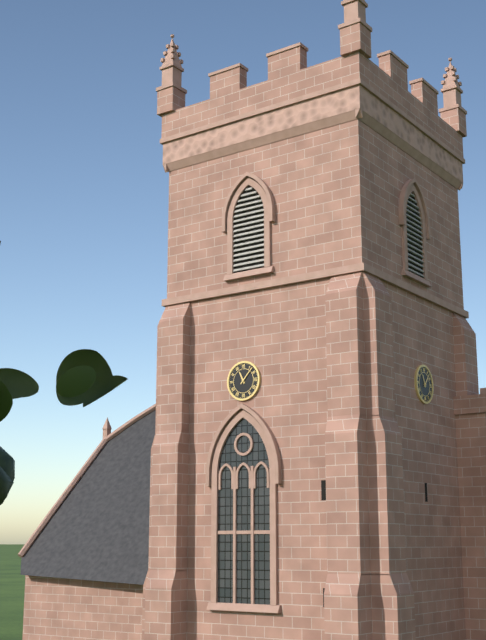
h=11 m=7
